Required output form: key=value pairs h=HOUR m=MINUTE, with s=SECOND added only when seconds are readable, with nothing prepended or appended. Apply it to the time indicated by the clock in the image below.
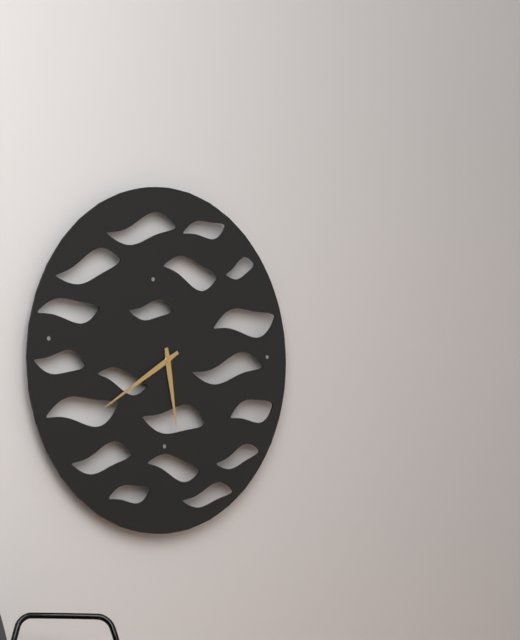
h=5 m=40
